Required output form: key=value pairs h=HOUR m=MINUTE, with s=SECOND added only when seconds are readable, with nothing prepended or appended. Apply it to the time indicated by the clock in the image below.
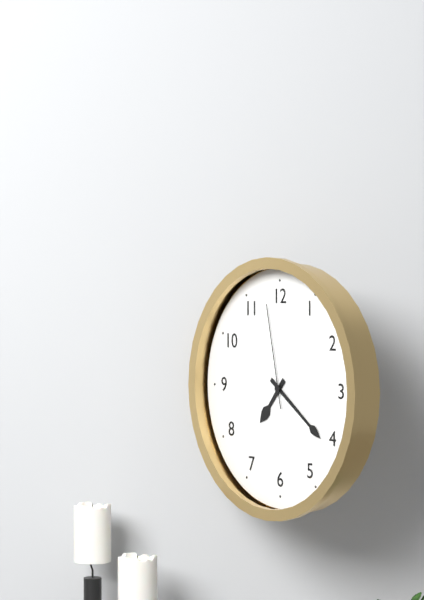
h=7 m=21 s=58
